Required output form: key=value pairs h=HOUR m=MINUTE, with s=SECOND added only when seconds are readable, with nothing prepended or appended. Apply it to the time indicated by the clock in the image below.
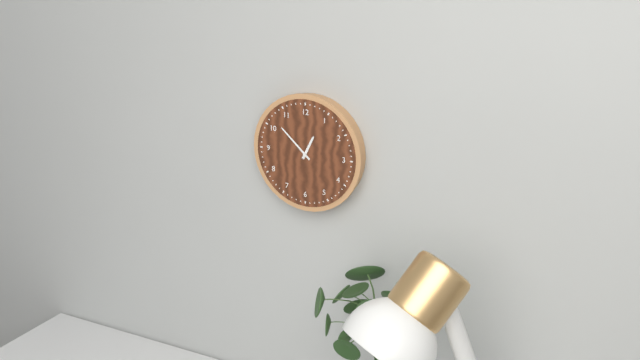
h=12 m=52
